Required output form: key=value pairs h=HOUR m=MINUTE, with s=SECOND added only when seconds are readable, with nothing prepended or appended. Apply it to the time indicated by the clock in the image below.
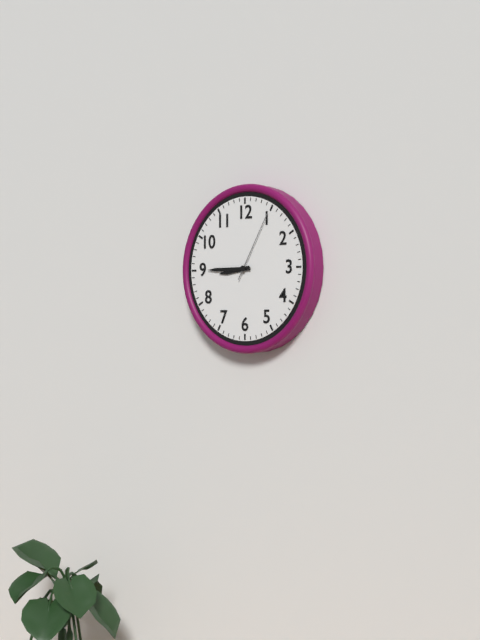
h=8 m=45 s=5
